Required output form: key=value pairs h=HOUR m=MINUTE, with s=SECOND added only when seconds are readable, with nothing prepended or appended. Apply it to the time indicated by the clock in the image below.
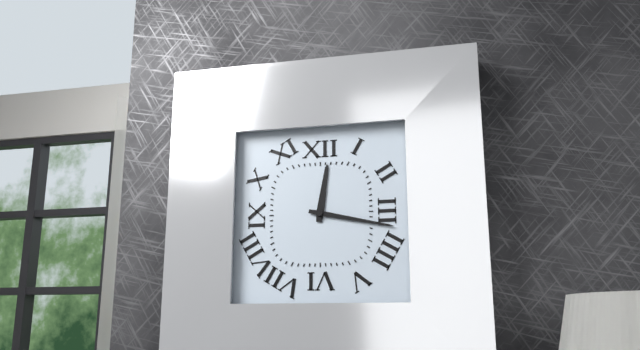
h=12 m=17
